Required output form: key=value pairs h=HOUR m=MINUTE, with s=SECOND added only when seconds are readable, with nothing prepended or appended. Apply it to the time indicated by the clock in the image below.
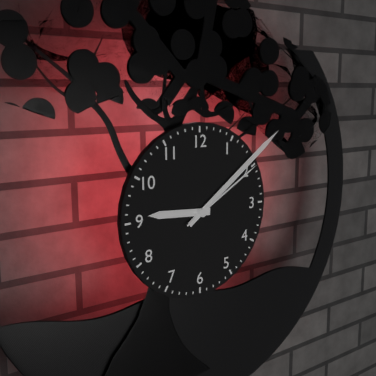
h=9 m=9 s=10
